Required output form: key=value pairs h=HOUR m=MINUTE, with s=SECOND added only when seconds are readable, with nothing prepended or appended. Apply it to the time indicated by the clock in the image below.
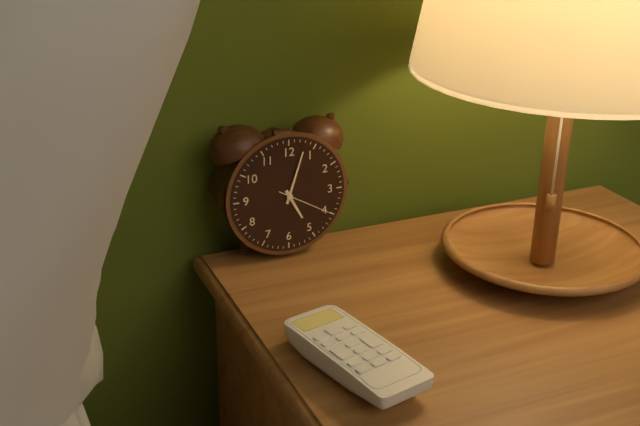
h=5 m=3 s=20
